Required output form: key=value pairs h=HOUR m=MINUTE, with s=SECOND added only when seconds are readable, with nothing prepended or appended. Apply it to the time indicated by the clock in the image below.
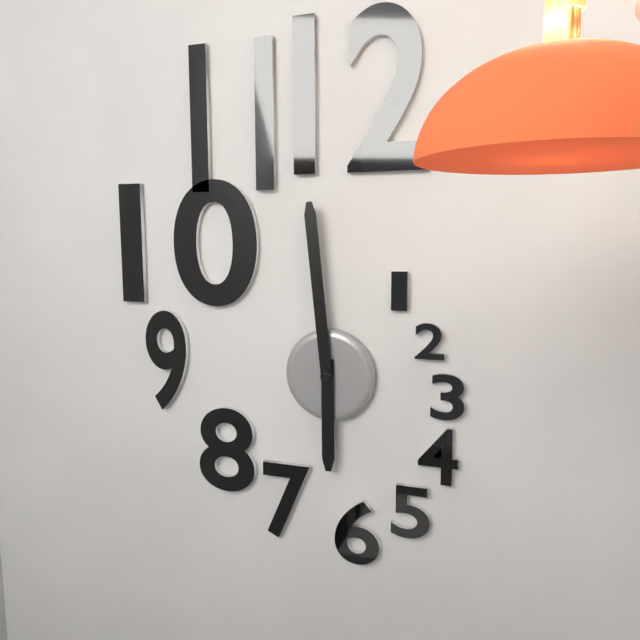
h=5 m=59
